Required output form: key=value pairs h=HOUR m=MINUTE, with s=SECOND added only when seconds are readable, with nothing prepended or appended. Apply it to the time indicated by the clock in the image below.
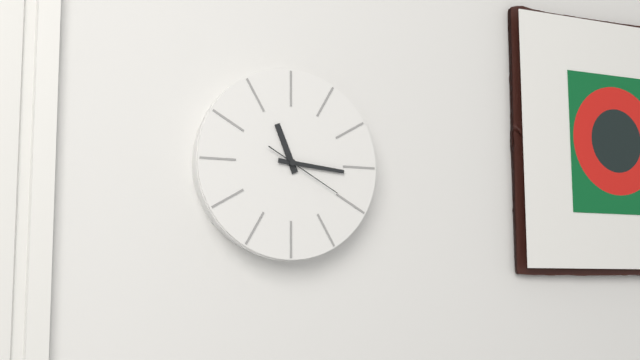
h=11 m=16 s=20
